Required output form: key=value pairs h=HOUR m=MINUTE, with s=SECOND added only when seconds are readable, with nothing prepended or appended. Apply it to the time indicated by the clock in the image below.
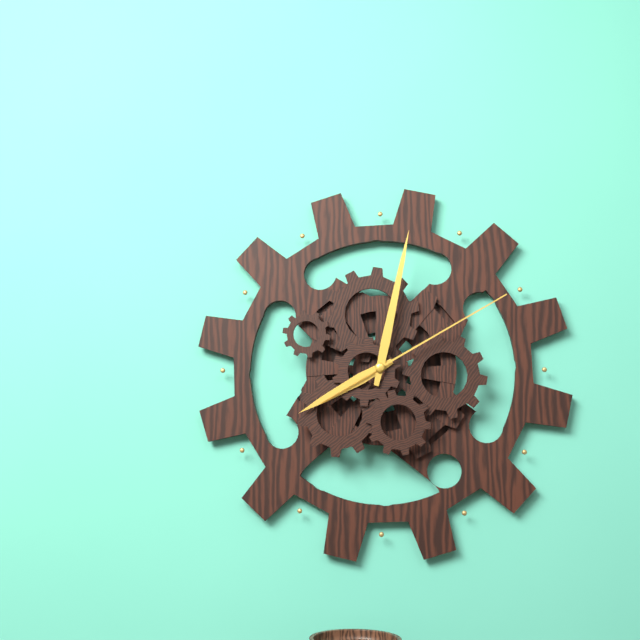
h=8 m=2 s=10
